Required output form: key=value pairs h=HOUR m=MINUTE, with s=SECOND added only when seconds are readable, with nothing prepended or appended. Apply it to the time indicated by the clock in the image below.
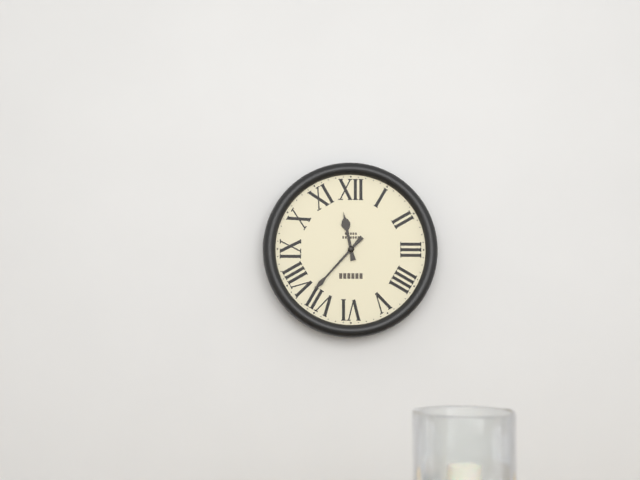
h=11 m=37
